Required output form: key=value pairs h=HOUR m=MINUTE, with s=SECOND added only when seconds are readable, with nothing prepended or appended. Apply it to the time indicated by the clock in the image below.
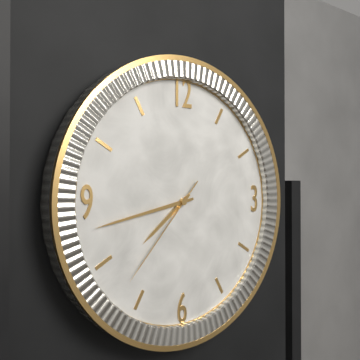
h=7 m=43 s=37
